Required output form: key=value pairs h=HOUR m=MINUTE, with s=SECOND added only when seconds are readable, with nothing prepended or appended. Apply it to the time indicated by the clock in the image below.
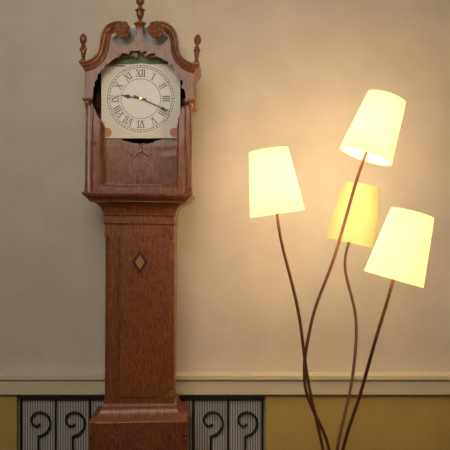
h=9 m=19
